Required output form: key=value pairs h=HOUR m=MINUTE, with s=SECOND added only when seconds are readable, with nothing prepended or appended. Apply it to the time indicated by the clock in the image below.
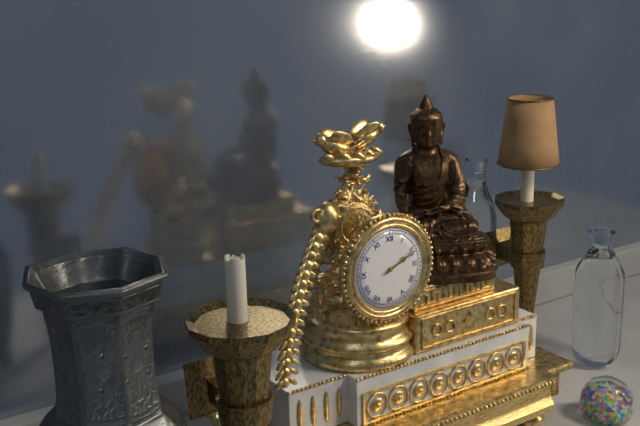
h=2 m=11
